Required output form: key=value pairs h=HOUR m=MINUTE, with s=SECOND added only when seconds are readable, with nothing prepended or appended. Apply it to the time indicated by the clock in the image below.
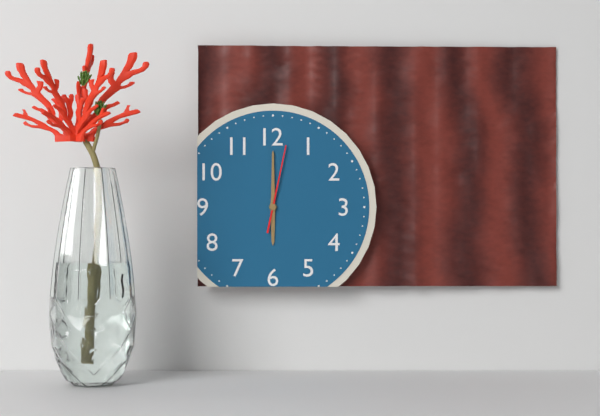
h=6 m=0 s=2
